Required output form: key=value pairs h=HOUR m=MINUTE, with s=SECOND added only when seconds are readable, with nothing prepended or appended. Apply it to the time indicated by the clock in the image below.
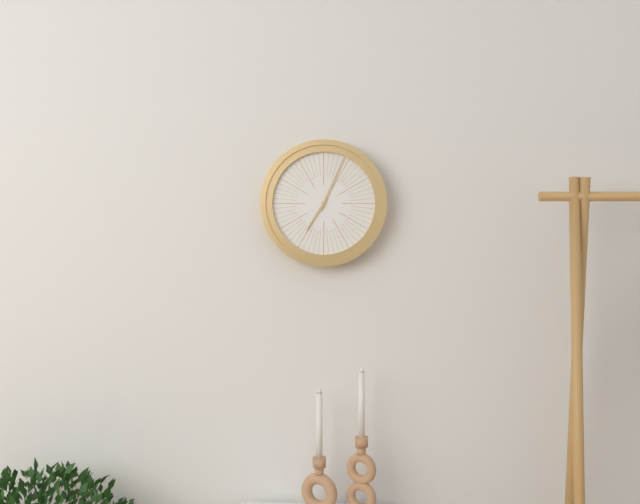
h=7 m=4
